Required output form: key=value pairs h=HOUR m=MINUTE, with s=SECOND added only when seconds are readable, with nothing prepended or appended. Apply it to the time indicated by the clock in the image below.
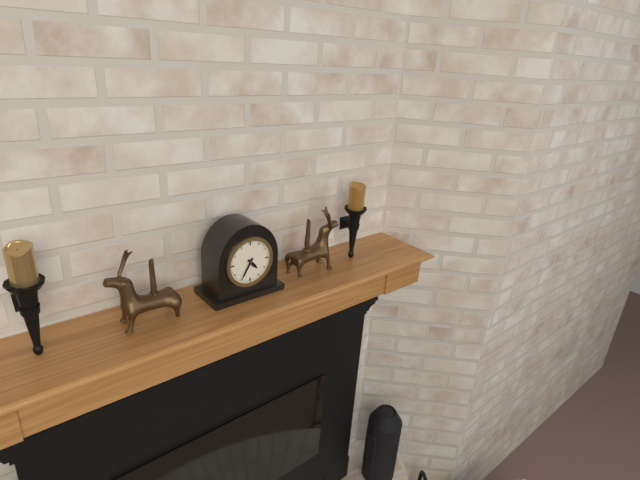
h=4 m=35
